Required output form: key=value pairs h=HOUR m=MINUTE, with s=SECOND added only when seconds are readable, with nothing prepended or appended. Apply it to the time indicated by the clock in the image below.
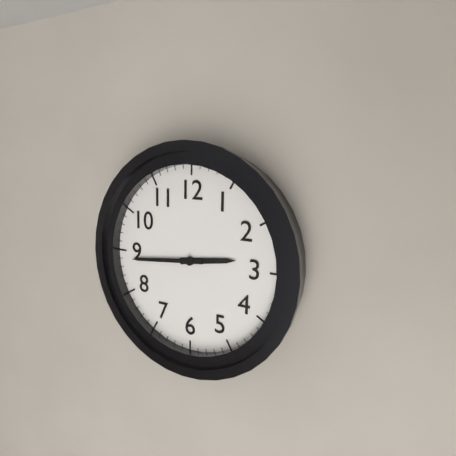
h=2 m=44
